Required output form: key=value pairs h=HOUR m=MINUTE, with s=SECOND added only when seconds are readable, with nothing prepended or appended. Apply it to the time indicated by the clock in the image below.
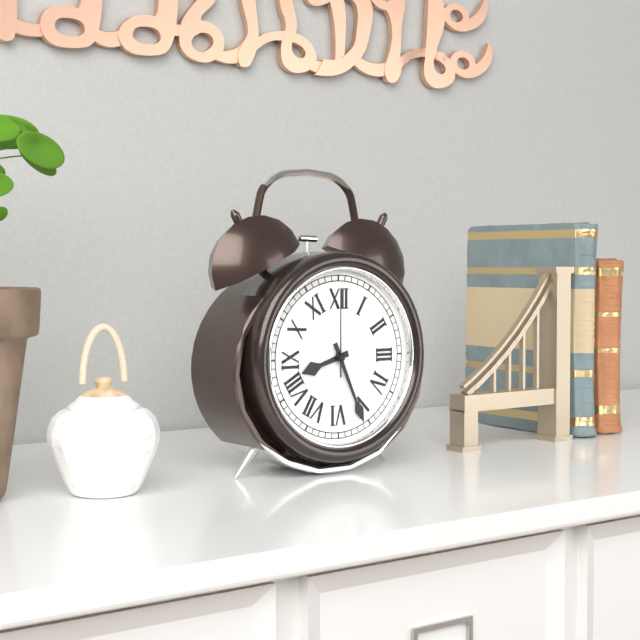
h=8 m=26 s=0
